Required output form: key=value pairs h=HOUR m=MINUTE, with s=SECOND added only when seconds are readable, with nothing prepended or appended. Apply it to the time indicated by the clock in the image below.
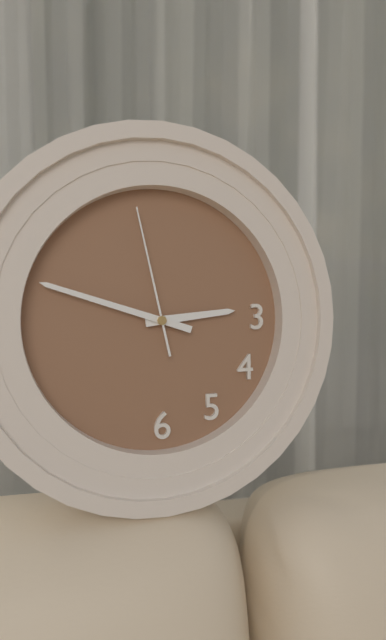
h=2 m=48 s=58
